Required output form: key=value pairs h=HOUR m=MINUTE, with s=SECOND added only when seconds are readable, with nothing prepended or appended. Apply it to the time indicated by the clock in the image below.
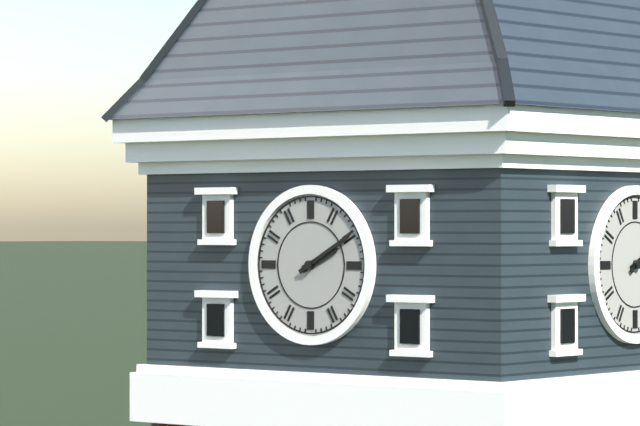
h=2 m=10
